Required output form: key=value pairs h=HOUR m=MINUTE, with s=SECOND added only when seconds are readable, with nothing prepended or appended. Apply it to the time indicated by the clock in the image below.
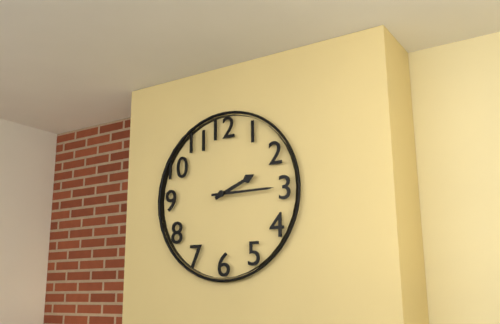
h=2 m=15
